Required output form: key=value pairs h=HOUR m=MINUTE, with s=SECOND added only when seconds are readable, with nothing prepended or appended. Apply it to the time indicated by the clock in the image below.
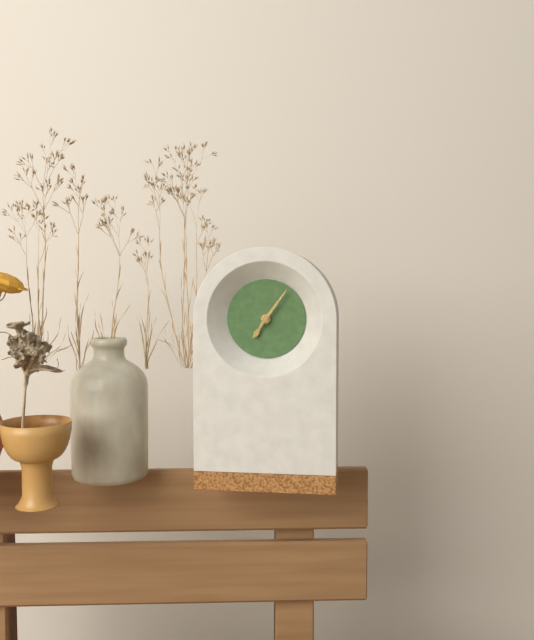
h=7 m=6
